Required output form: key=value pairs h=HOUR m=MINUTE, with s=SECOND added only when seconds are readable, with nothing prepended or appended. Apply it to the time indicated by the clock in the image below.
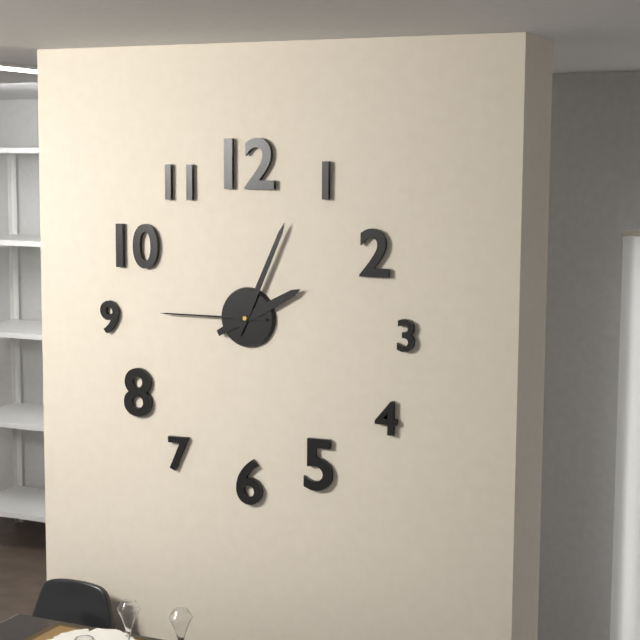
h=2 m=4 s=45
